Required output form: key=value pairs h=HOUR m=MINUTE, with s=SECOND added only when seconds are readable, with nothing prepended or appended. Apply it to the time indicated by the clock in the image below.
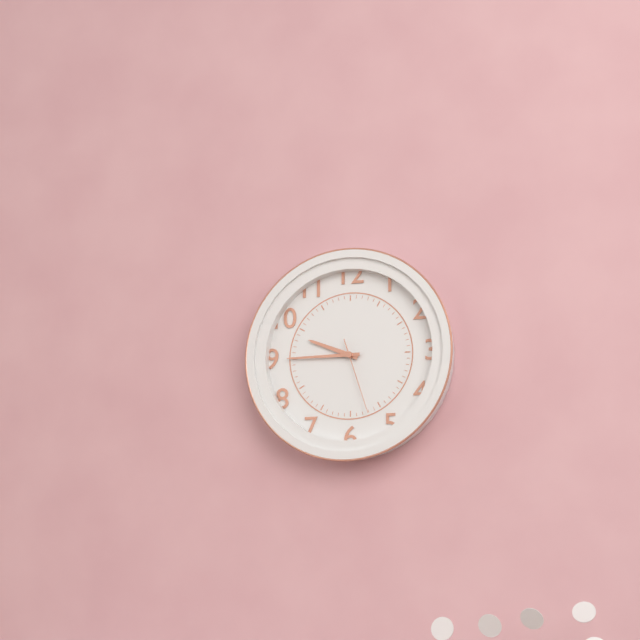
h=9 m=45 s=27
